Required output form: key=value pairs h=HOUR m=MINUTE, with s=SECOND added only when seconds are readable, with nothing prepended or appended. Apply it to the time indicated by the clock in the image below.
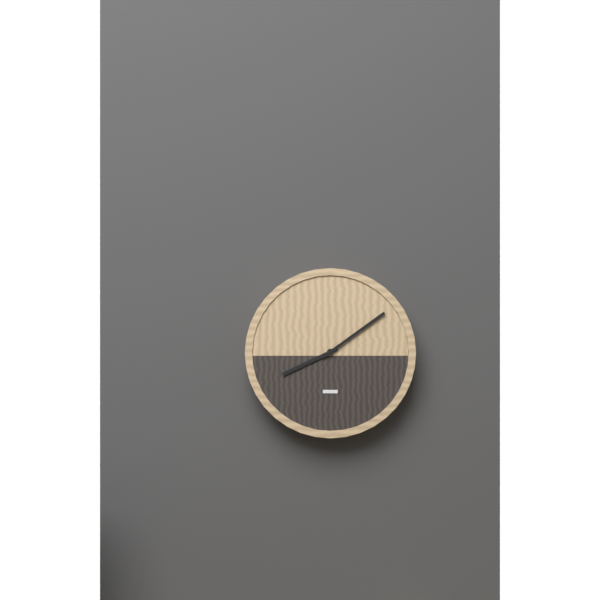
h=8 m=9
